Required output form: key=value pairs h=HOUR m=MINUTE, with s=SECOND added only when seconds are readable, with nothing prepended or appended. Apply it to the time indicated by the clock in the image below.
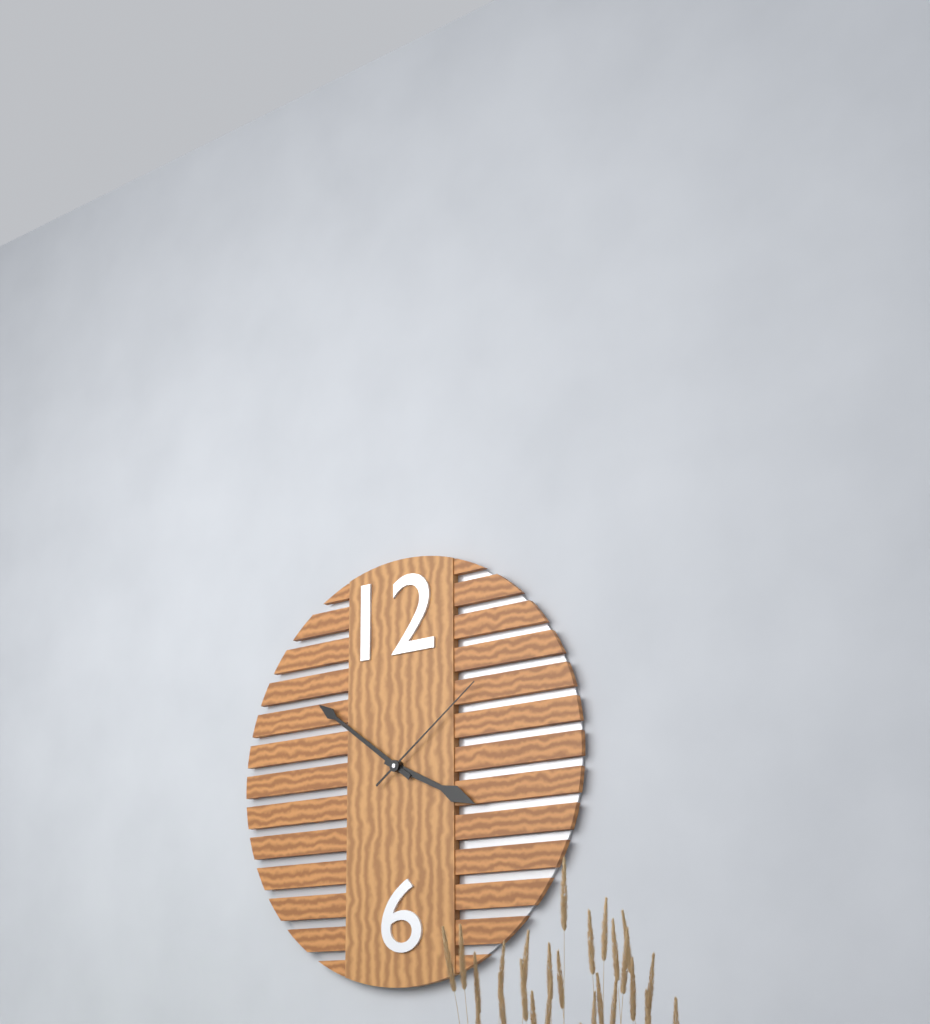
h=3 m=51 s=9
